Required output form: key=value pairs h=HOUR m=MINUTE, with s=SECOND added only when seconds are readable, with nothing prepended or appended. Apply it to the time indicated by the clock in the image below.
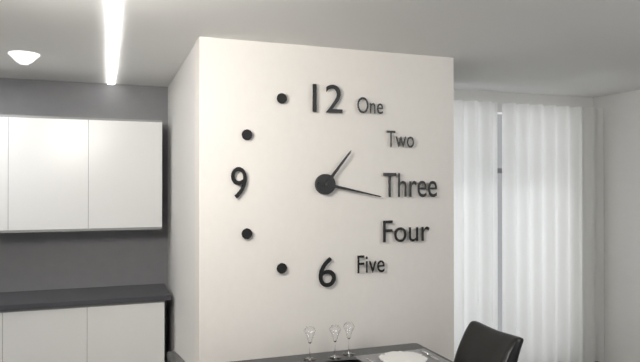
h=1 m=17
